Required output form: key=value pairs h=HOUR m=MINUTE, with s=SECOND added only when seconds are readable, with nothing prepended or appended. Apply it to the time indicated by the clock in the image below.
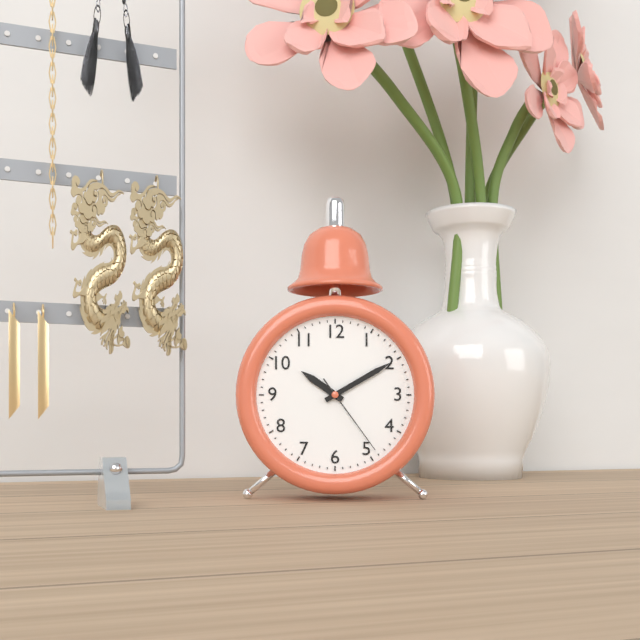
h=10 m=10 s=24
